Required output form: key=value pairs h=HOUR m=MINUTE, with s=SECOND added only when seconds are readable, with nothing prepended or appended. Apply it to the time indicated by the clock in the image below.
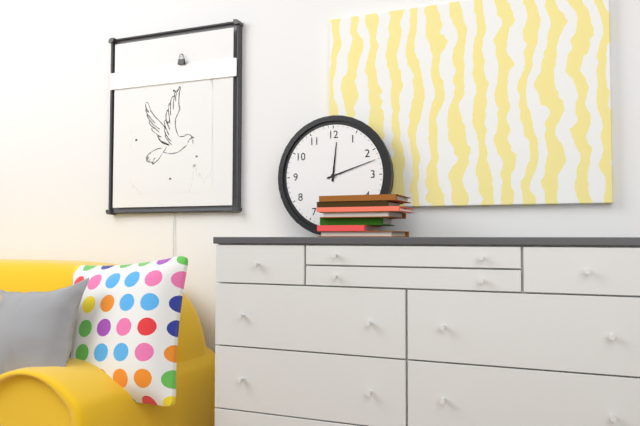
h=12 m=12
